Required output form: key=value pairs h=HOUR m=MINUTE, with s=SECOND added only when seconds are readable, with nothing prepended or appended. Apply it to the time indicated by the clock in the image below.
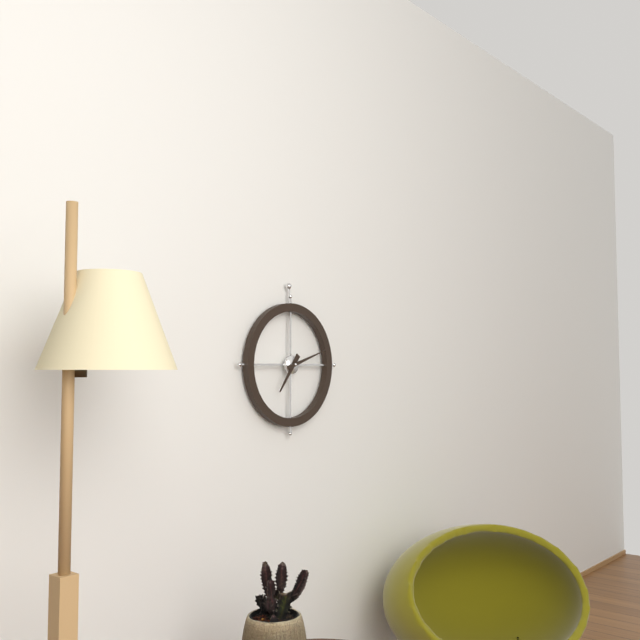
h=7 m=12
